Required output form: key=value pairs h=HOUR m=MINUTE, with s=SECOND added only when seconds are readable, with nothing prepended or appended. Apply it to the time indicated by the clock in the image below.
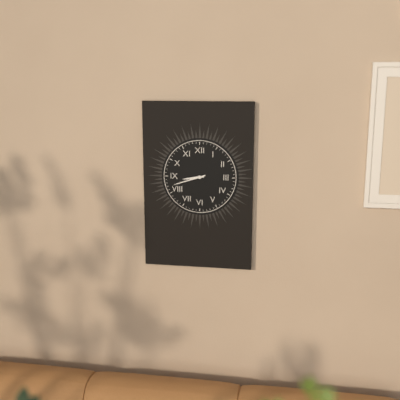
h=8 m=42
